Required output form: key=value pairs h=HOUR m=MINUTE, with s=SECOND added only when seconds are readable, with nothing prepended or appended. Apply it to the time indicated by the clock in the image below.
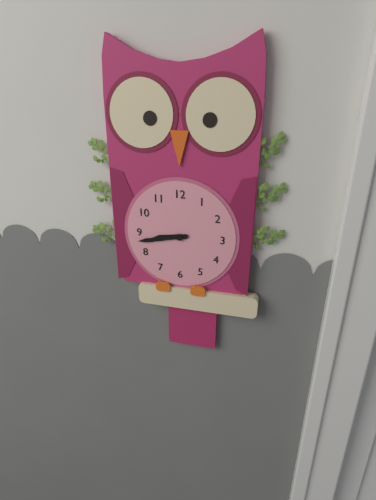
h=8 m=43
